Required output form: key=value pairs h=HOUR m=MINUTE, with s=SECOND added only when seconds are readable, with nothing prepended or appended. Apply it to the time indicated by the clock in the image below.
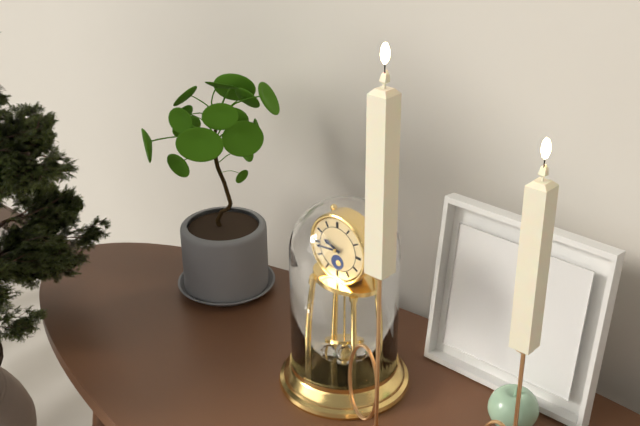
h=9 m=44
